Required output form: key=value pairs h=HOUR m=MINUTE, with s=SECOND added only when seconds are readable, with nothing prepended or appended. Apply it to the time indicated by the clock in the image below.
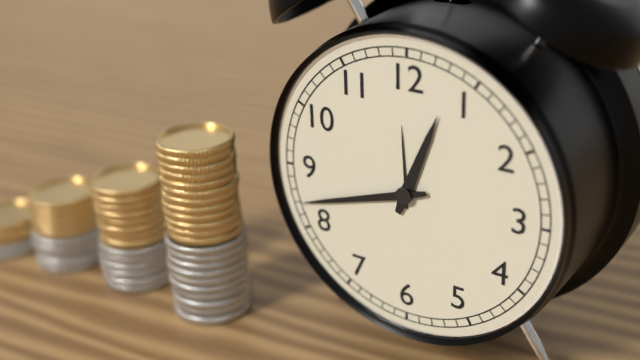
h=12 m=42
